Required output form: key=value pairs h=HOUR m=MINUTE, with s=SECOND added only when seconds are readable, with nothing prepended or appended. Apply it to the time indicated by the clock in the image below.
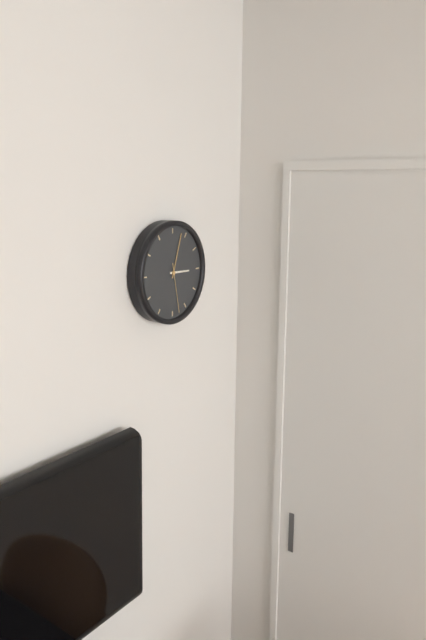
h=3 m=3 s=28
